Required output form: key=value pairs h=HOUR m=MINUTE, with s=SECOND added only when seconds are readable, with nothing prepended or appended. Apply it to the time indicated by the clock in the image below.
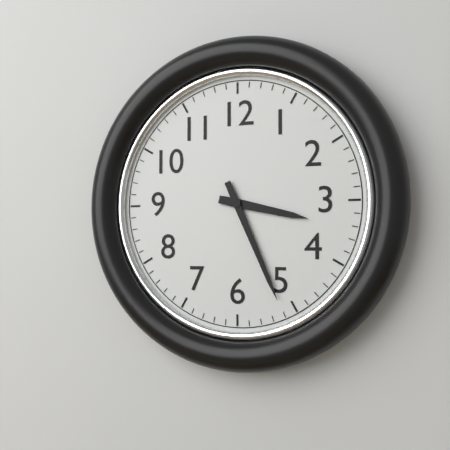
h=3 m=26
